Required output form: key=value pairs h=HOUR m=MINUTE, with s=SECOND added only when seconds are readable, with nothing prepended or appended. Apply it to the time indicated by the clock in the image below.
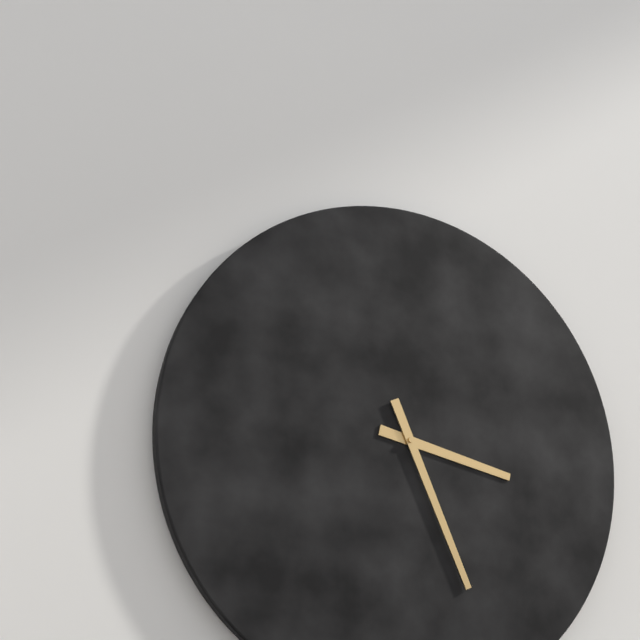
h=3 m=26
